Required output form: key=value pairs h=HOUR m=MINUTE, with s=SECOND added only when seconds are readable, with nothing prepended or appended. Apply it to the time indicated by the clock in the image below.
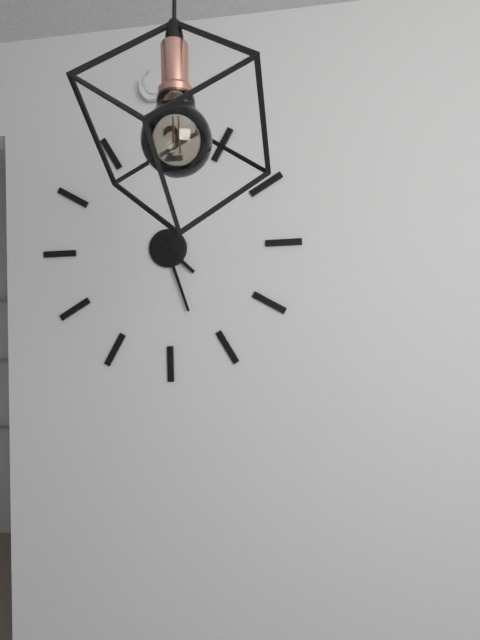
h=4 m=27
